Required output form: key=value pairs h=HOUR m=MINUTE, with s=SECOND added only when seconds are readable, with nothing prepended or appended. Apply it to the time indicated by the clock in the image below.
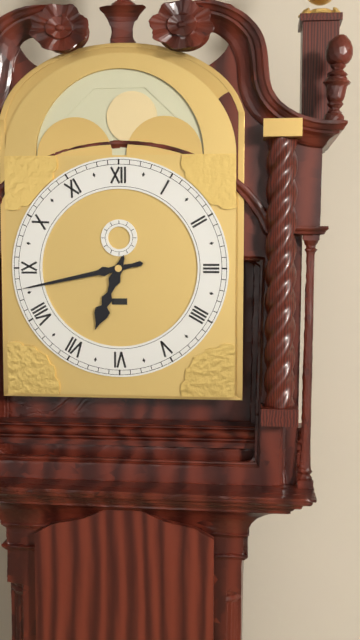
h=6 m=43
